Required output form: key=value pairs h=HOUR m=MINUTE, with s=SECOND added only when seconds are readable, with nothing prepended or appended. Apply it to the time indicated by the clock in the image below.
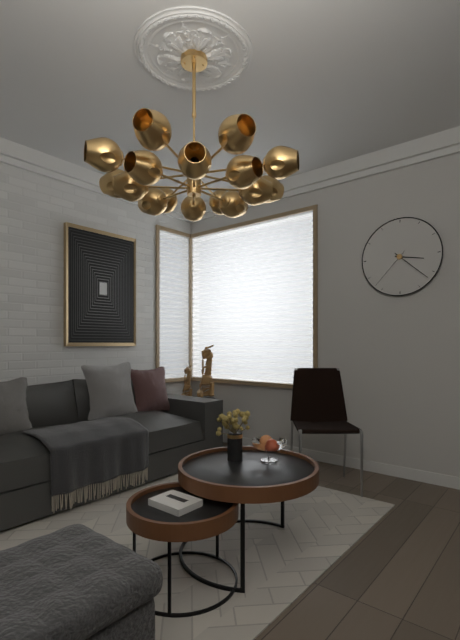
h=3 m=22
